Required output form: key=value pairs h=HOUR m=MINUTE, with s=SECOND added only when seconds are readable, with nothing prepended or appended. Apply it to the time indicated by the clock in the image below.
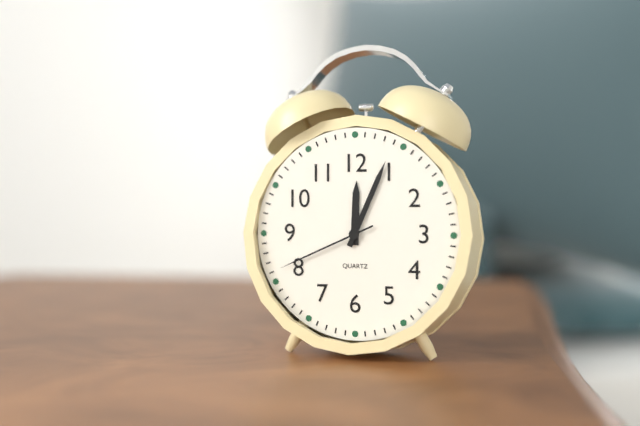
h=12 m=4 s=41
